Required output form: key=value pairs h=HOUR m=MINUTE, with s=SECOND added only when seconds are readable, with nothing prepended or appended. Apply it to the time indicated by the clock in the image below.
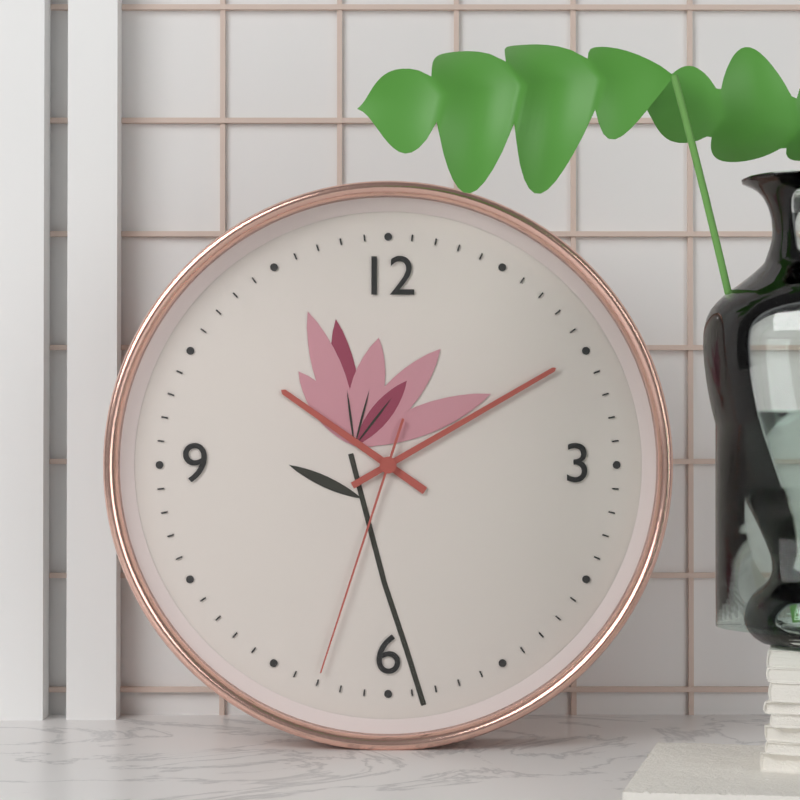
h=10 m=10 s=33
